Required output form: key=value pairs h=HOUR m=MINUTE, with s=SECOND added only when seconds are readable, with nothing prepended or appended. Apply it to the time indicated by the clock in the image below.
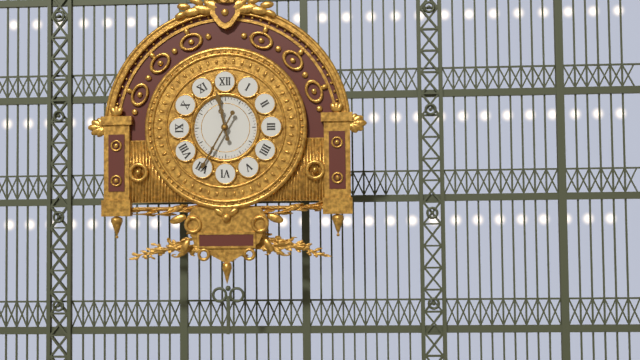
h=11 m=35
